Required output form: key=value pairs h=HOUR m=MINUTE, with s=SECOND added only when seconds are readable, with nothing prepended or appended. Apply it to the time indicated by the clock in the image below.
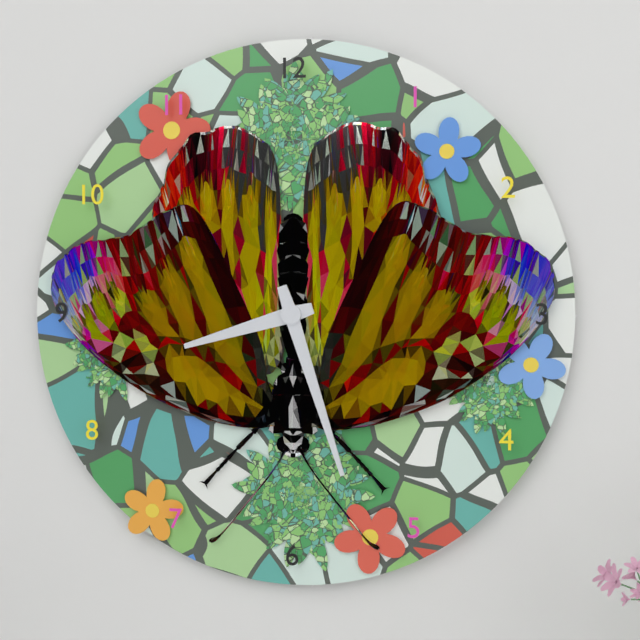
h=8 m=27
